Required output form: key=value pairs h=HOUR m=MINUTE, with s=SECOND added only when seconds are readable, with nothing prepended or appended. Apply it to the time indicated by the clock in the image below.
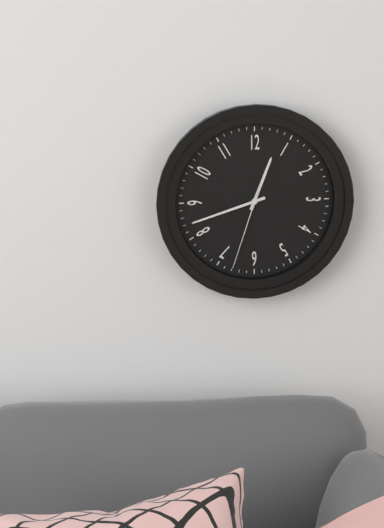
h=12 m=42 s=33
